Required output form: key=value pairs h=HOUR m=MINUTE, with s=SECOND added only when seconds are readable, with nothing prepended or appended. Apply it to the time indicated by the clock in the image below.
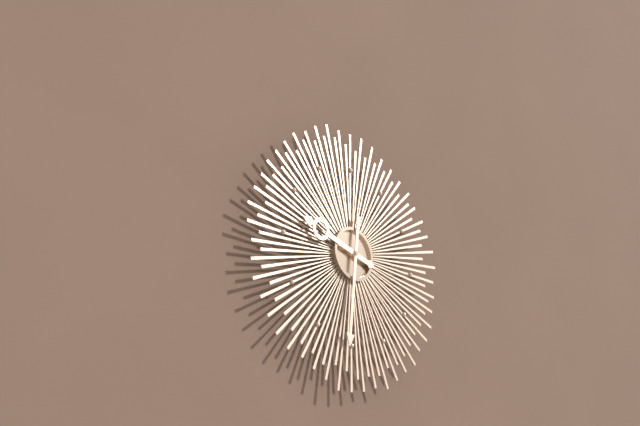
h=9 m=31
